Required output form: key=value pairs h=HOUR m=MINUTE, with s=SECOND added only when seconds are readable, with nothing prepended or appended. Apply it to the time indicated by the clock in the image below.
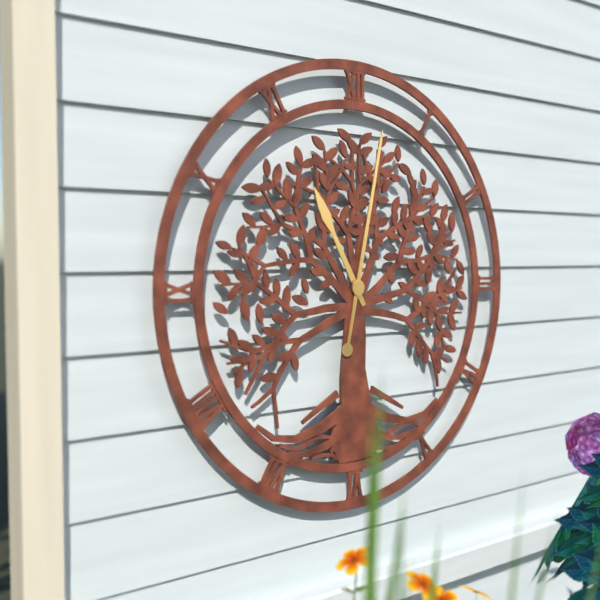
h=11 m=2
